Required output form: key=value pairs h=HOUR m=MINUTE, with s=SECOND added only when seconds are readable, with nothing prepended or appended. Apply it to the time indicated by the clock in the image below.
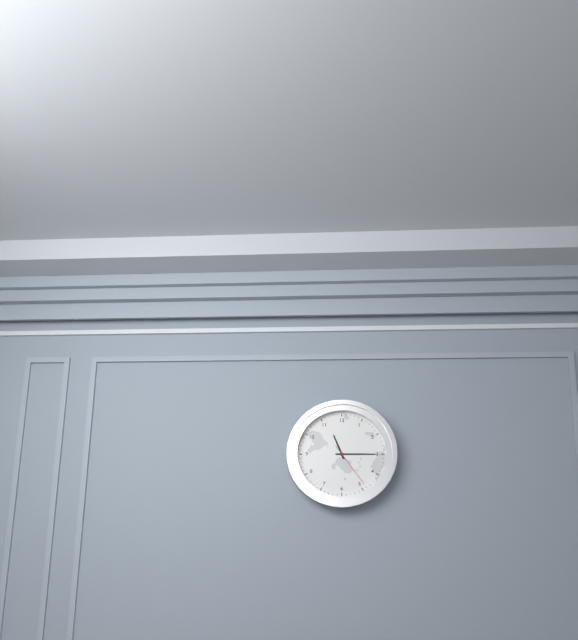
h=11 m=15
